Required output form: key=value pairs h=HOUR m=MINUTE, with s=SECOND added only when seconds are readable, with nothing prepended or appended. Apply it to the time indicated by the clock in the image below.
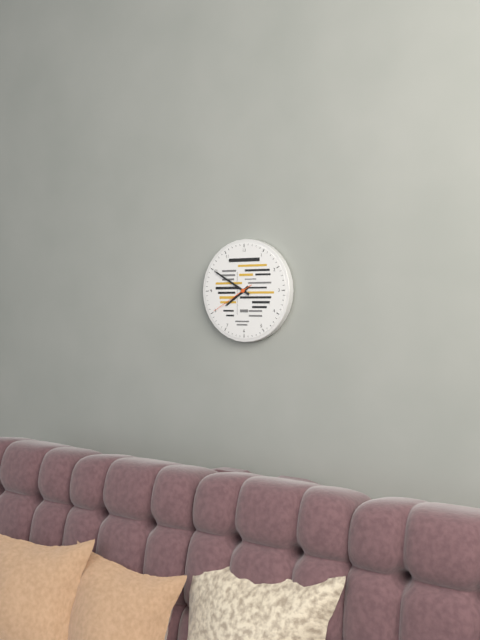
h=7 m=50
